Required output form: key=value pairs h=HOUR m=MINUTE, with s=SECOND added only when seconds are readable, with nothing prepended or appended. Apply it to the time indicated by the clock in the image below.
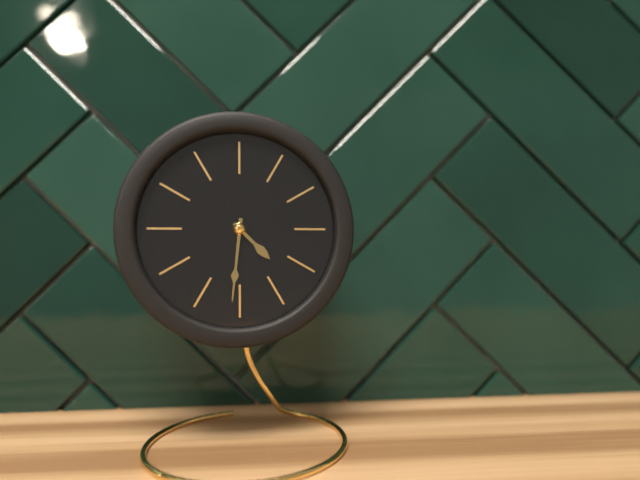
h=4 m=31
